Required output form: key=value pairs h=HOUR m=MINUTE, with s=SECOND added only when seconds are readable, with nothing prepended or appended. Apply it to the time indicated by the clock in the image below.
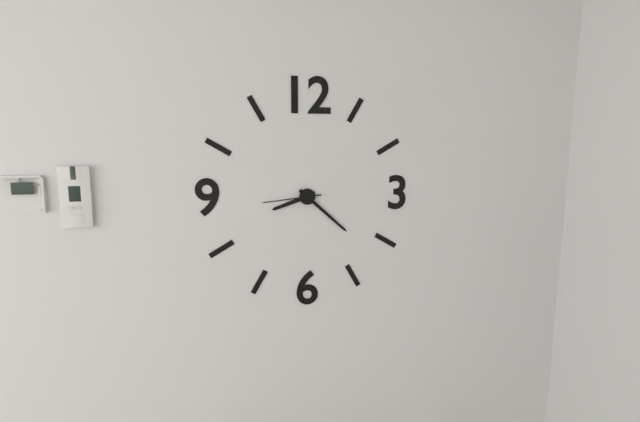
h=8 m=22 s=44
